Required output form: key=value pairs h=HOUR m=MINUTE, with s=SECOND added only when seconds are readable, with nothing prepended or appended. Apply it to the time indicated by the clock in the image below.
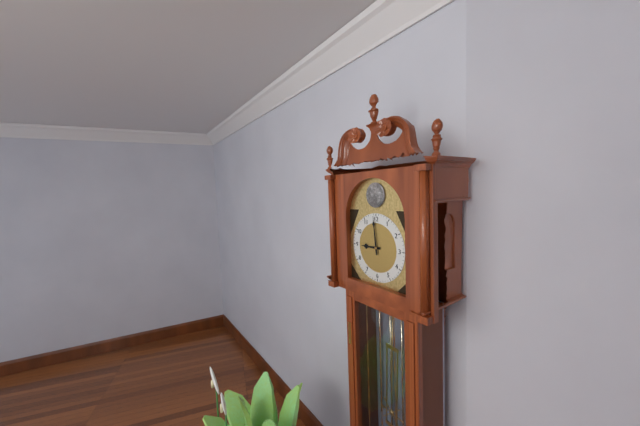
h=8 m=59
